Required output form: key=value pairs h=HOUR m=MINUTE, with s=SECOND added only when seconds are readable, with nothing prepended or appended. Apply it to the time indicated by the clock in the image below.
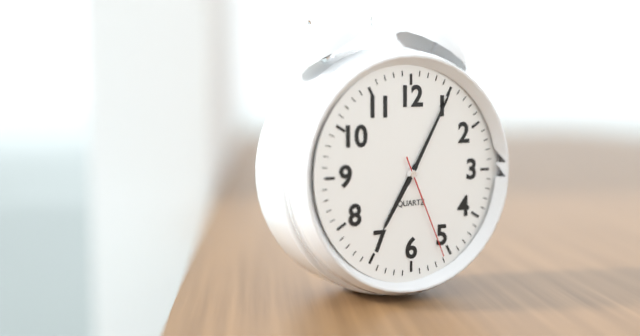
h=7 m=5 s=26
